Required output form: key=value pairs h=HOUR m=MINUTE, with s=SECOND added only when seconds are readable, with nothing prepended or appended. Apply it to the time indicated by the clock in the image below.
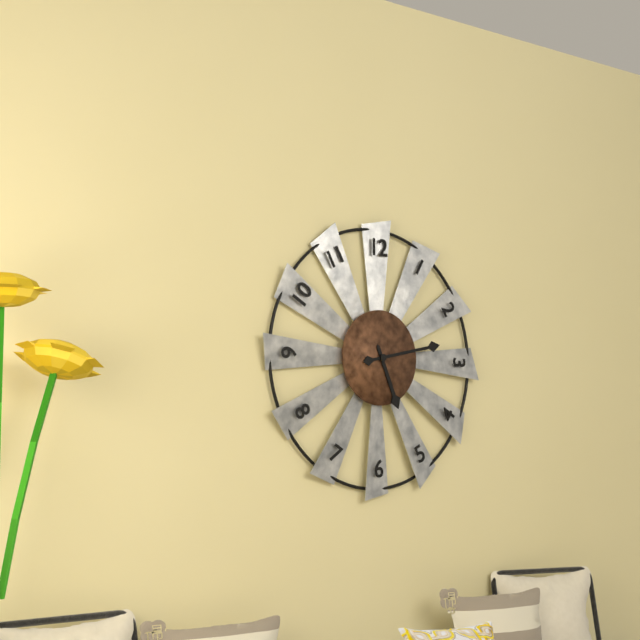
h=5 m=13
